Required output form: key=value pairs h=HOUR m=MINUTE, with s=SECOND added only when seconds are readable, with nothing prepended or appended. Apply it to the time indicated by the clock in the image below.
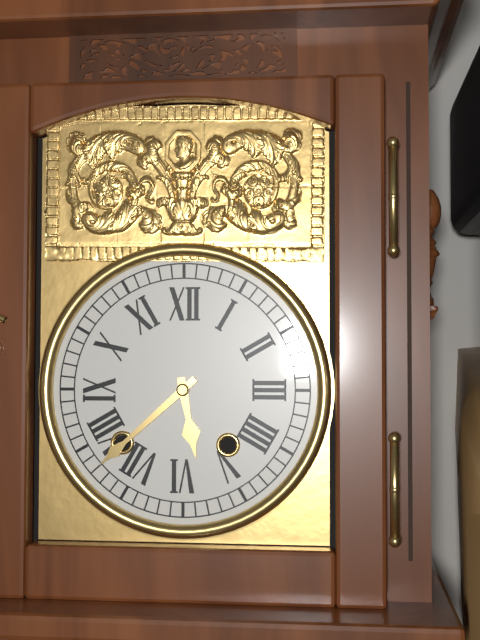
h=5 m=38
